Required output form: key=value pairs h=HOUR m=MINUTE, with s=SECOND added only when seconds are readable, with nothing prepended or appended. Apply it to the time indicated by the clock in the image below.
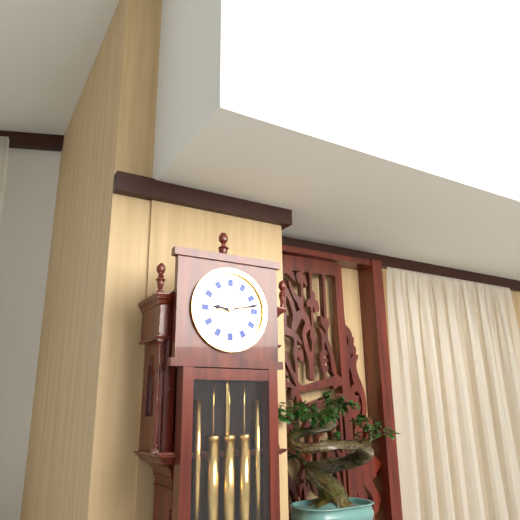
h=9 m=13
